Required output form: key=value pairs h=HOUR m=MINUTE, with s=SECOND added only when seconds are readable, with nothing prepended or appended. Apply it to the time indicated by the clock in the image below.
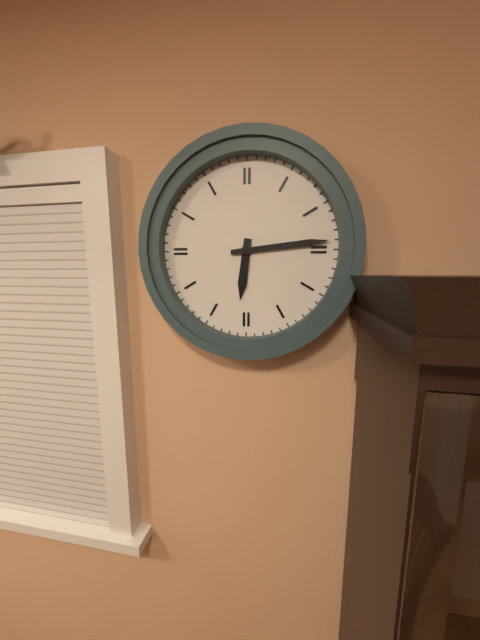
h=6 m=14
